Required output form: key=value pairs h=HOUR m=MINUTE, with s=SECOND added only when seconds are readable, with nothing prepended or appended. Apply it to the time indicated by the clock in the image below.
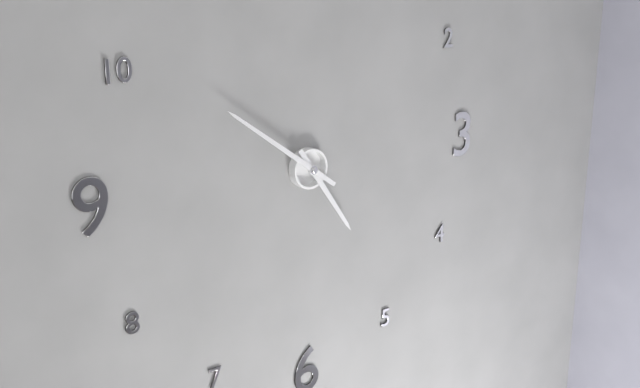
h=4 m=51
